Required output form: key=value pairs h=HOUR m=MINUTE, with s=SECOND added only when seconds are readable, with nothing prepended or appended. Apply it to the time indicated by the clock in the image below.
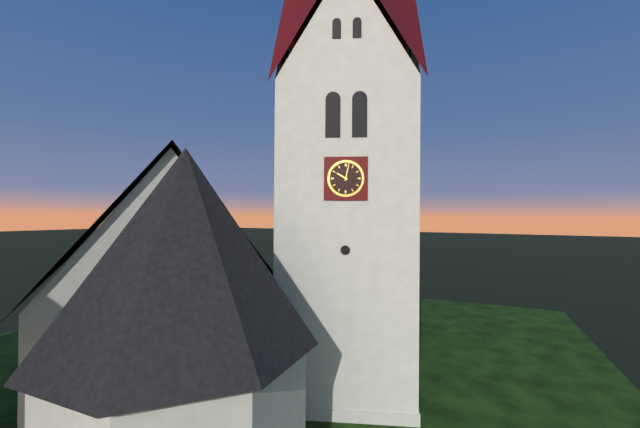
h=10 m=2
